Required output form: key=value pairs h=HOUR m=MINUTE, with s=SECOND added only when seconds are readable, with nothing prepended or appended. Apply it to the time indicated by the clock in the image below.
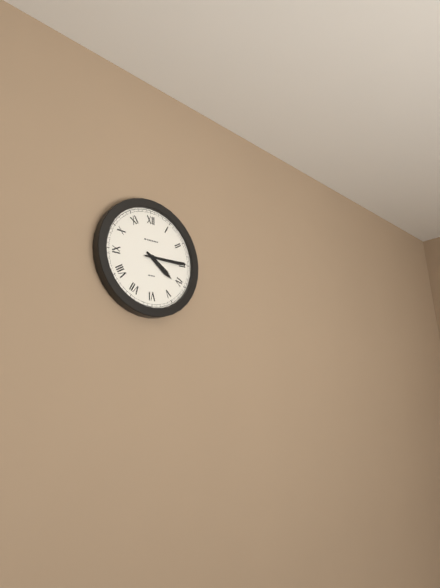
h=4 m=15
